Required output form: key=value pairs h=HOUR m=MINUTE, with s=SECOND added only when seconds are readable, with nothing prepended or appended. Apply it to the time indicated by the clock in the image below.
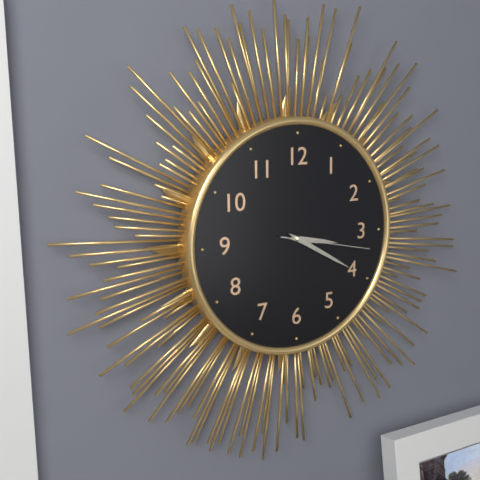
h=3 m=20 s=17
